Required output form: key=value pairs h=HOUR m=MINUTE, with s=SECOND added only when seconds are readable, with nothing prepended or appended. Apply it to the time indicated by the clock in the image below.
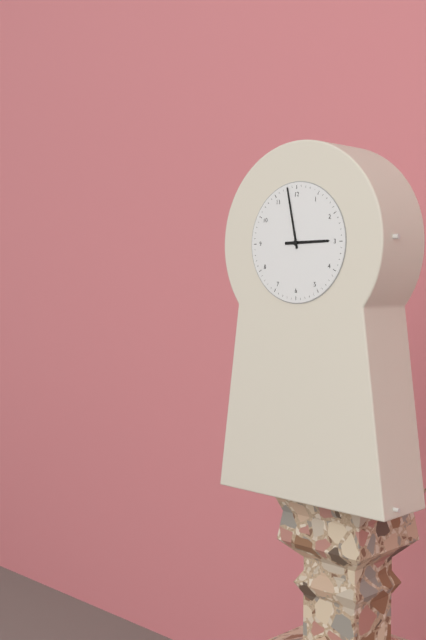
h=2 m=58
